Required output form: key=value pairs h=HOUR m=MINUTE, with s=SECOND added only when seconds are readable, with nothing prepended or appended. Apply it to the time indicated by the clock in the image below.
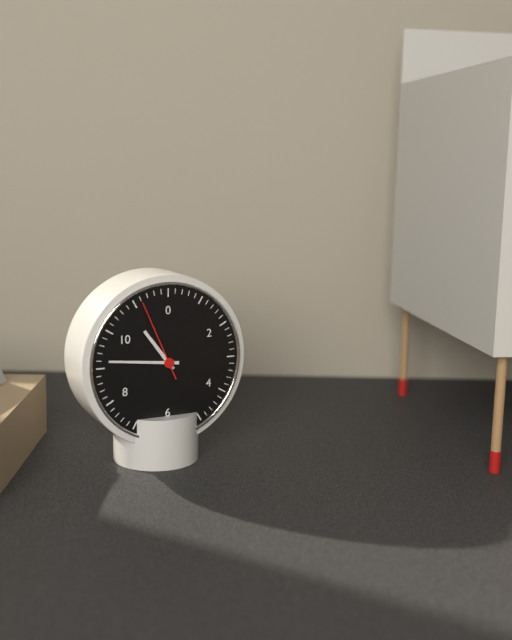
h=10 m=46 s=56
